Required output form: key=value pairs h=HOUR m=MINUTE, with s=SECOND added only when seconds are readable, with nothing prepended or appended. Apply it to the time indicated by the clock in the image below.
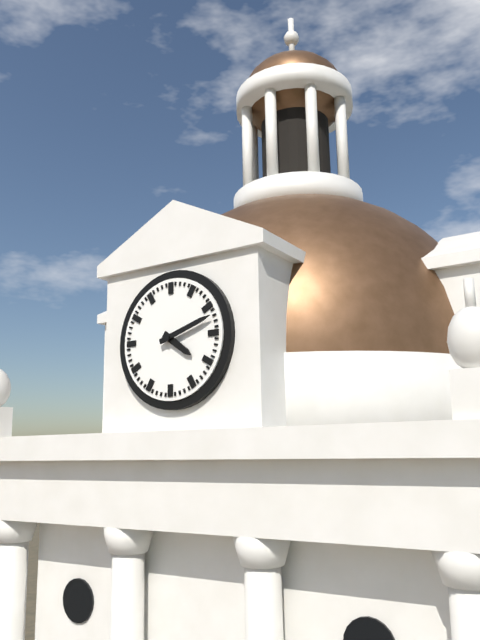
h=4 m=12
